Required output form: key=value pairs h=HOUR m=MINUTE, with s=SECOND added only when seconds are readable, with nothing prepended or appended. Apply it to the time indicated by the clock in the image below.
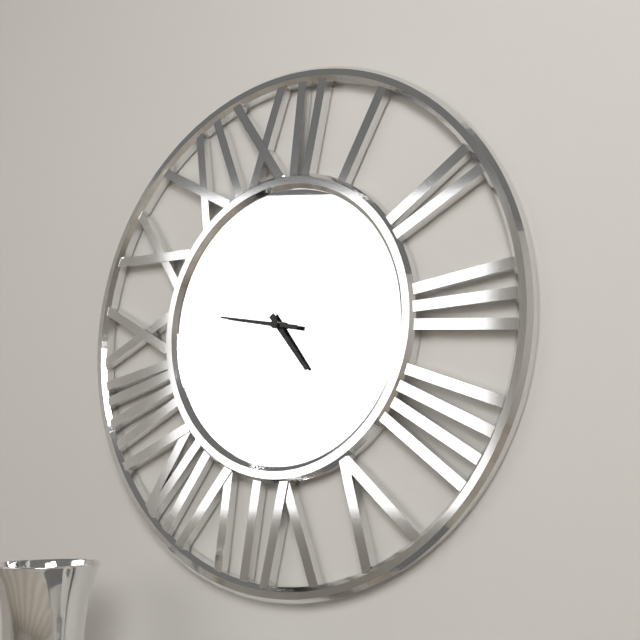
h=4 m=47
